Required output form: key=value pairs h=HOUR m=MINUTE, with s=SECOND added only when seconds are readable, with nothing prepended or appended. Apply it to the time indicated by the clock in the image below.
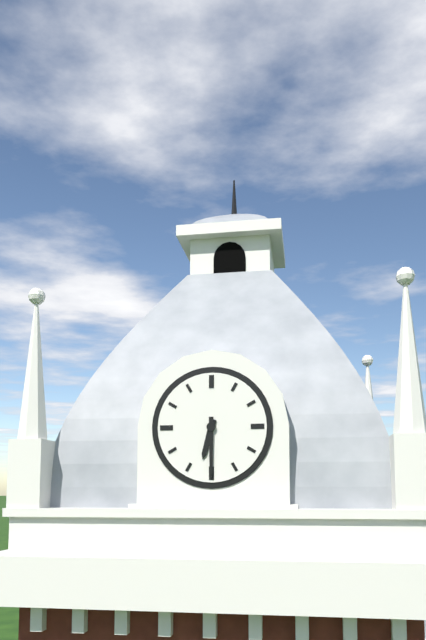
h=6 m=30
